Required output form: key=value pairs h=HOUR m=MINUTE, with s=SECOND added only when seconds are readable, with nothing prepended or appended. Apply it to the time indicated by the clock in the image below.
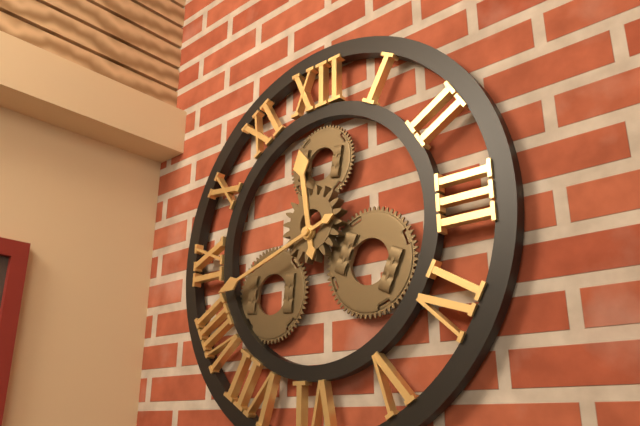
h=11 m=42
